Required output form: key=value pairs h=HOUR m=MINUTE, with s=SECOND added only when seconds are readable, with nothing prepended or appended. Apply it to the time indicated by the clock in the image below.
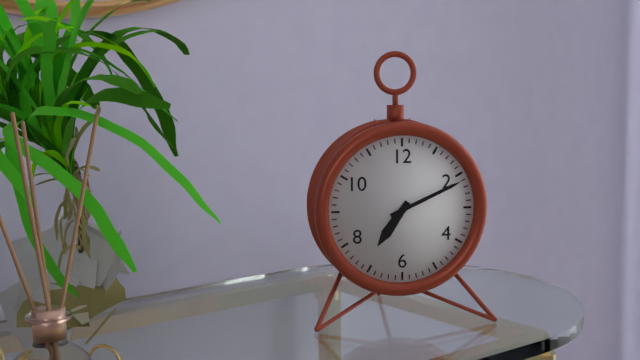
h=7 m=11
